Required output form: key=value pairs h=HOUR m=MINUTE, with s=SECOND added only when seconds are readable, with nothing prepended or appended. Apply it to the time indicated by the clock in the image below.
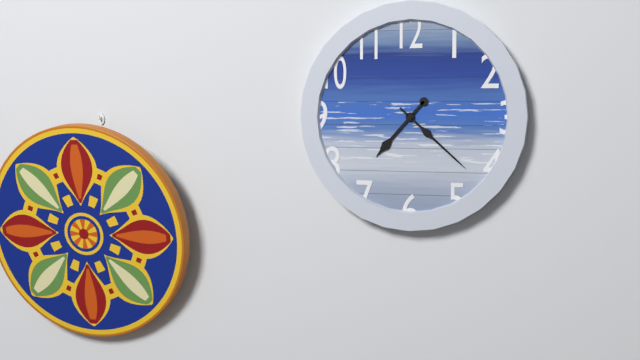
h=7 m=22
